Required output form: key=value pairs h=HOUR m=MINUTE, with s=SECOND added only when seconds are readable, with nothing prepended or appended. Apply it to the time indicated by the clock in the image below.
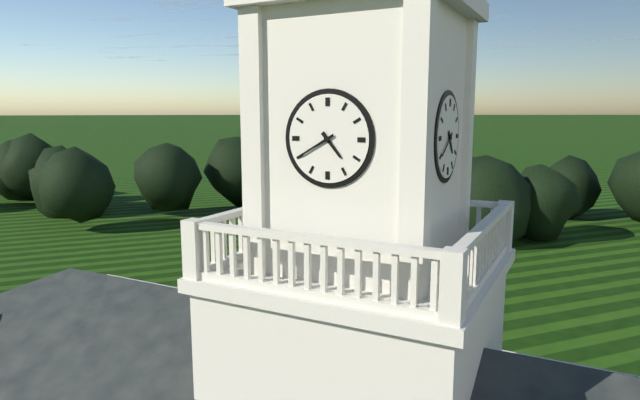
h=4 m=40
